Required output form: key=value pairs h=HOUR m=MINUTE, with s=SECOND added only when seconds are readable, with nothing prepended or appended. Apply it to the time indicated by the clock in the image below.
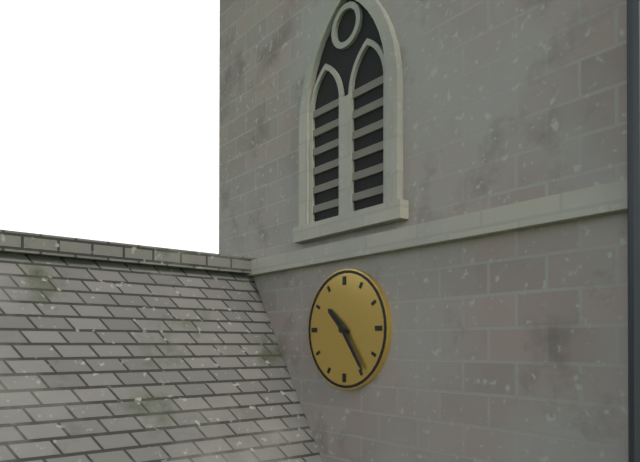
h=10 m=24
